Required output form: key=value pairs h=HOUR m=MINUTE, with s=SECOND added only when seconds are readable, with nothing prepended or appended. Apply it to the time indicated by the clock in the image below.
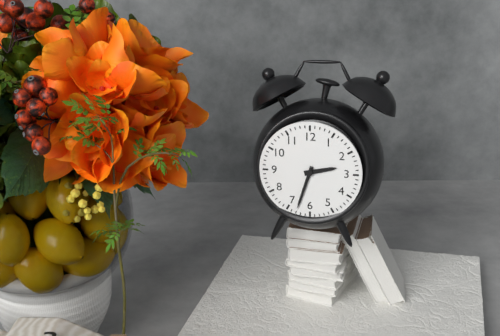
h=2 m=33
